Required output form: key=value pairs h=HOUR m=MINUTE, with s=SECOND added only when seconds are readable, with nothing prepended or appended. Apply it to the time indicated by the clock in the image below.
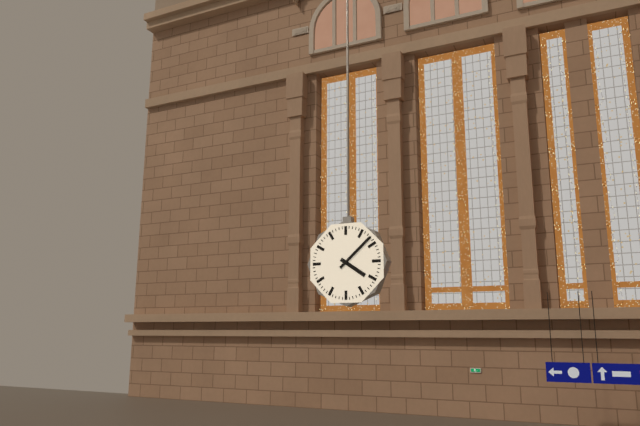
h=4 m=8
